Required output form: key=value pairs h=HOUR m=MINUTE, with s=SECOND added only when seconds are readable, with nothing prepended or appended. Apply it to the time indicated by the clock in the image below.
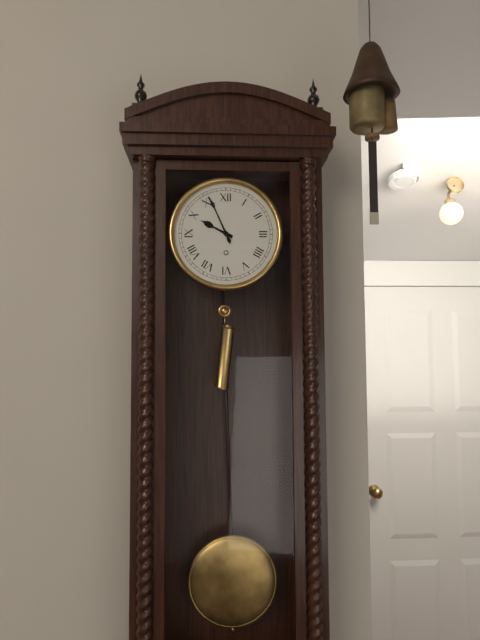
h=9 m=56
